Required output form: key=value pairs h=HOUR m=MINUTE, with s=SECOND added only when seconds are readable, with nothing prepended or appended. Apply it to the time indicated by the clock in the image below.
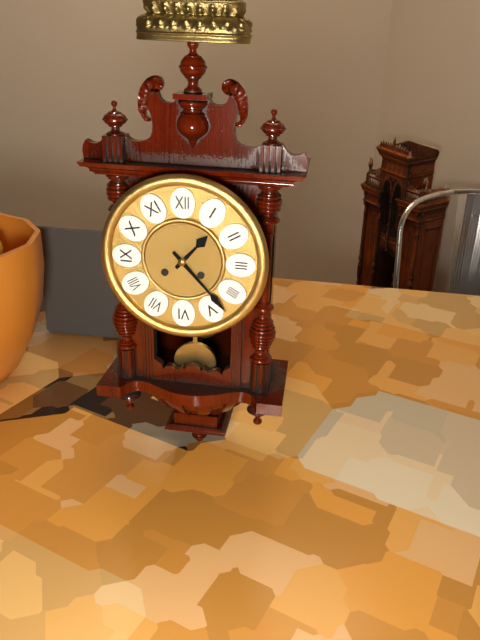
h=1 m=23
